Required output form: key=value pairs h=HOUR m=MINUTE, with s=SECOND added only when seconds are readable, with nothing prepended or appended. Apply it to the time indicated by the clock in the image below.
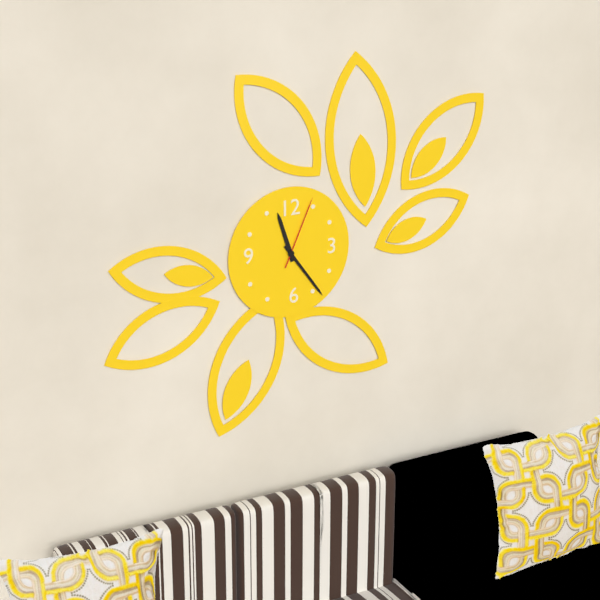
h=11 m=24 s=4
